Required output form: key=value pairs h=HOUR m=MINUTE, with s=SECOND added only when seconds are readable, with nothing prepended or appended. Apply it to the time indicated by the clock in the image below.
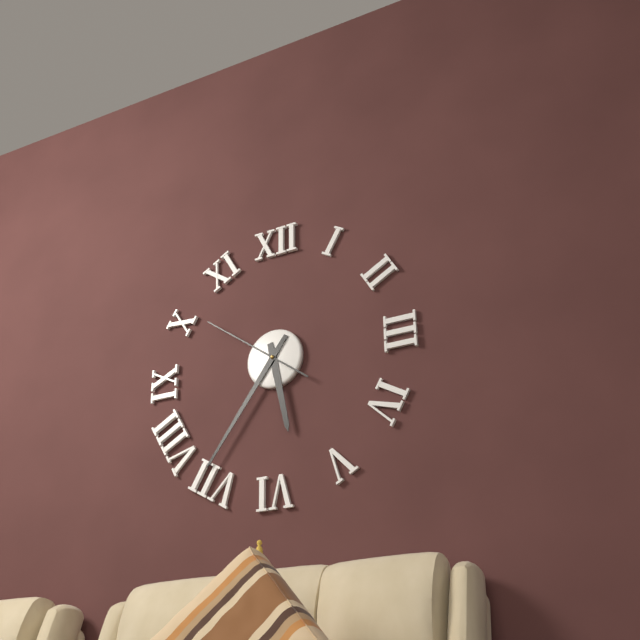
h=5 m=36 s=51
